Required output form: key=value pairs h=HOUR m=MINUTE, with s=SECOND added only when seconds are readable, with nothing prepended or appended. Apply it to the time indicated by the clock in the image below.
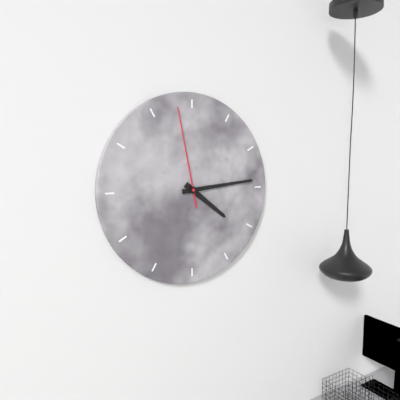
h=4 m=14 s=58
